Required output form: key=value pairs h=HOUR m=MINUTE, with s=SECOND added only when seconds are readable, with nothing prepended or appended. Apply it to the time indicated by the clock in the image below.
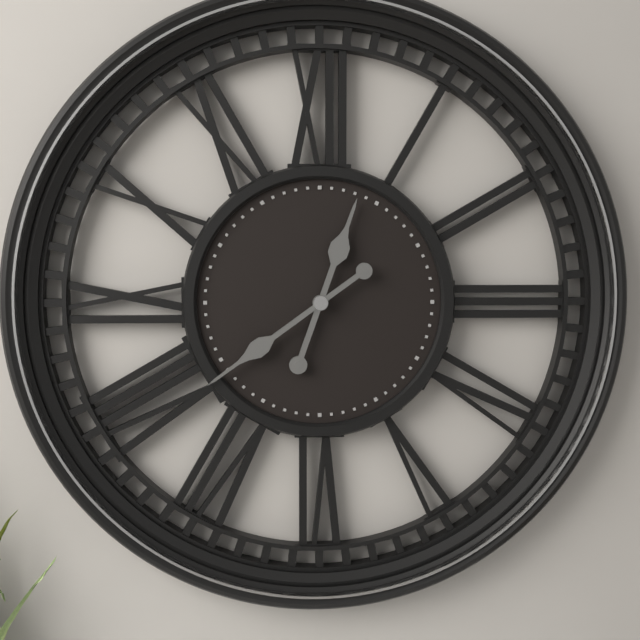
h=12 m=39
